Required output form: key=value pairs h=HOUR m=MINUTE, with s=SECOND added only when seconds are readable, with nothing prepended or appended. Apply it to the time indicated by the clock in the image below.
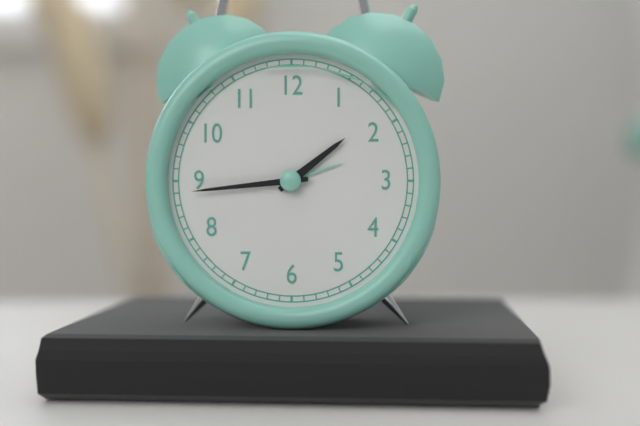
h=1 m=44
